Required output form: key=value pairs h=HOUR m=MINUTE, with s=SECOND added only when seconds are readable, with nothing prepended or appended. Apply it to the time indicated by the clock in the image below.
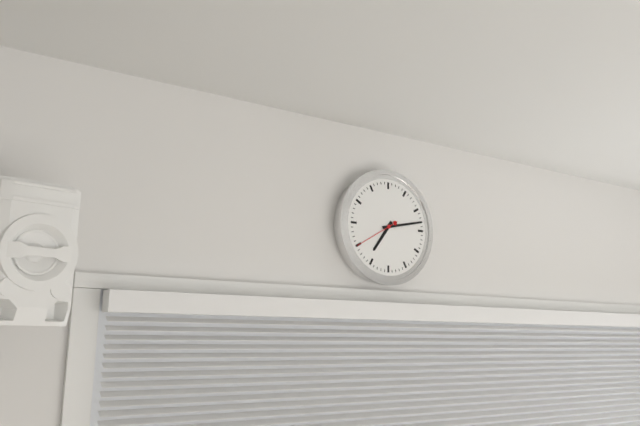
h=7 m=13
